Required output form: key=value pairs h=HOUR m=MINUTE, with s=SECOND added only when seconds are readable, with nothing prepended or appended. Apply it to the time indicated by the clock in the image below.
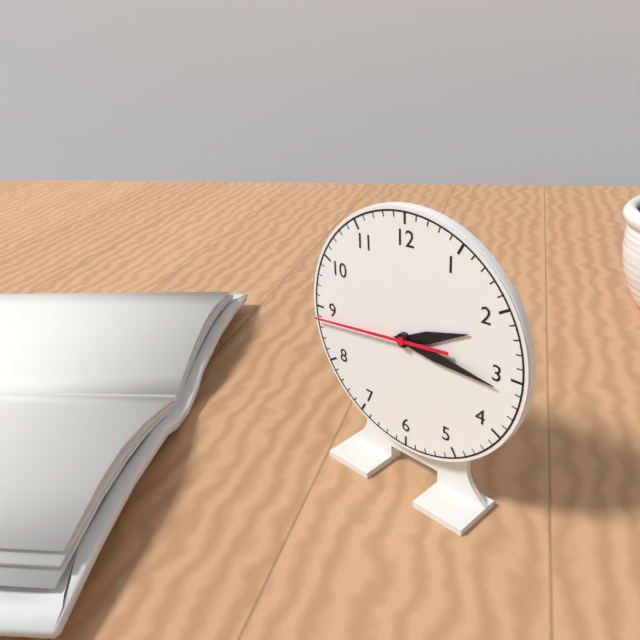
h=2 m=16 s=44
